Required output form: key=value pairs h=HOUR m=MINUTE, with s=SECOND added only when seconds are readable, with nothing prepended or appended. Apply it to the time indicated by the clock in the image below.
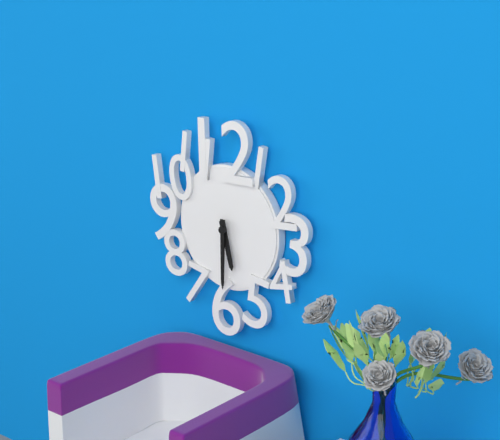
h=5 m=30
